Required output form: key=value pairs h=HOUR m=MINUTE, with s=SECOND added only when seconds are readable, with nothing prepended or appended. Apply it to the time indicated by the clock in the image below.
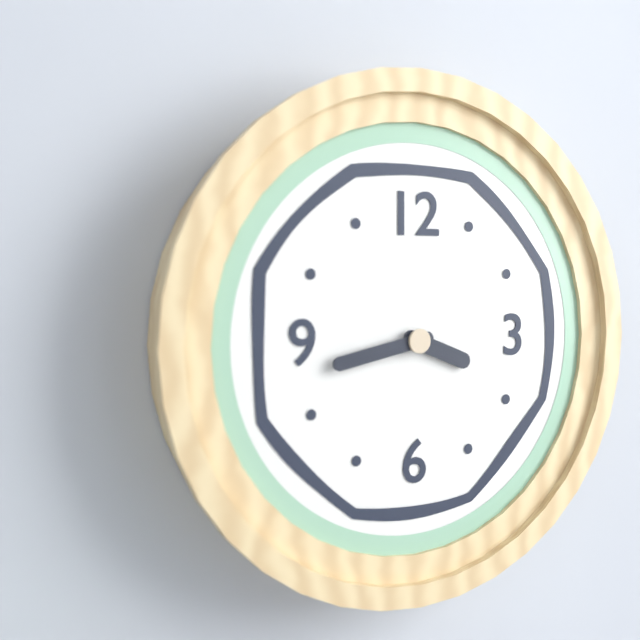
h=3 m=43
